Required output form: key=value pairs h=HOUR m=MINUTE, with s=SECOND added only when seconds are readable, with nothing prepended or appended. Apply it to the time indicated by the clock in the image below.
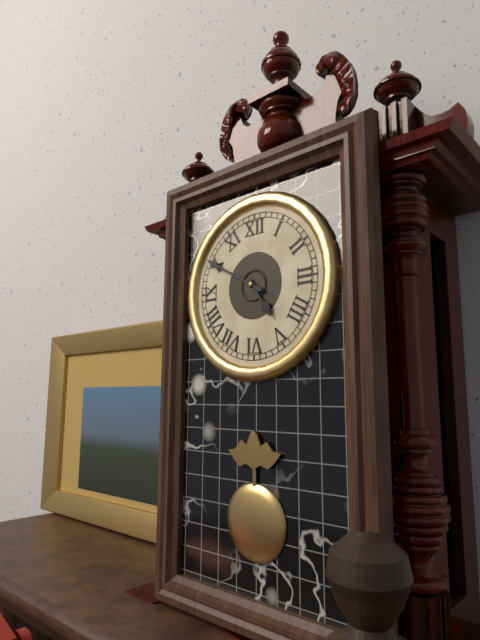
h=4 m=50
